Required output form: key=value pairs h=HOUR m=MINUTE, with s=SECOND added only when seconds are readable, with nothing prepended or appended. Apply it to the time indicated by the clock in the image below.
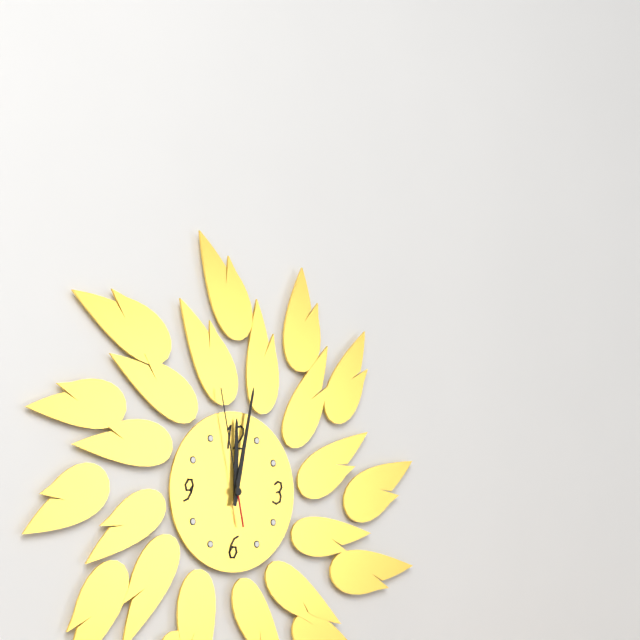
h=12 m=2 s=58
